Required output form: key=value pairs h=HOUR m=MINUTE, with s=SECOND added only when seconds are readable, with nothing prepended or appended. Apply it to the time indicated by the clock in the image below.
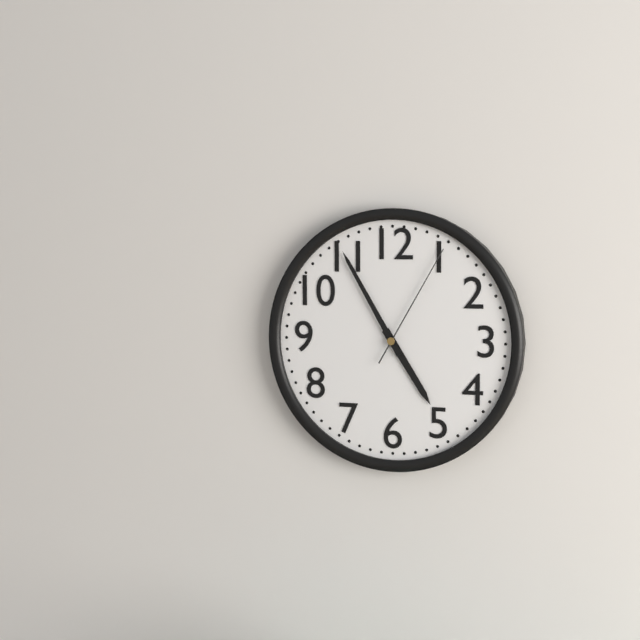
h=4 m=55 s=5
